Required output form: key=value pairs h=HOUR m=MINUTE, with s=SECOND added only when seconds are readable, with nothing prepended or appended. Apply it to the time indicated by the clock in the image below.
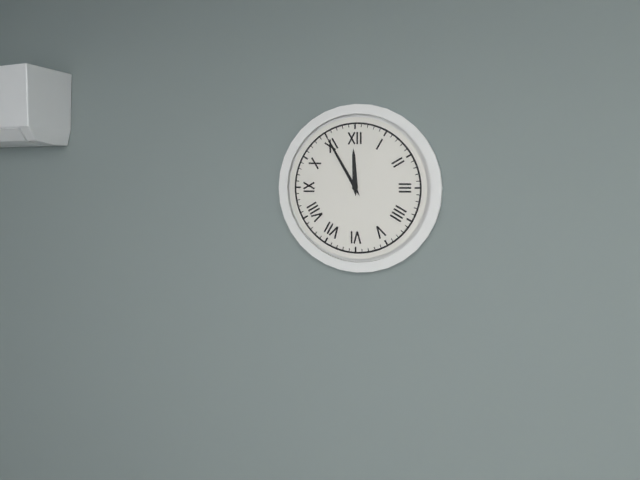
h=11 m=55
